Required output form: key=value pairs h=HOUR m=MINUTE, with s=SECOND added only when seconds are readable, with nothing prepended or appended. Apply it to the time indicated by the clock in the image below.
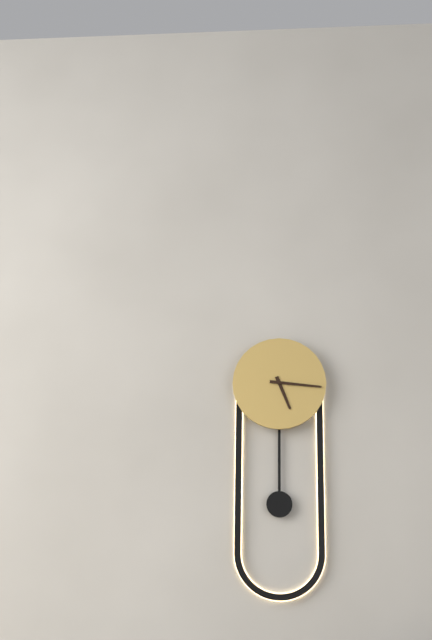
h=5 m=16
